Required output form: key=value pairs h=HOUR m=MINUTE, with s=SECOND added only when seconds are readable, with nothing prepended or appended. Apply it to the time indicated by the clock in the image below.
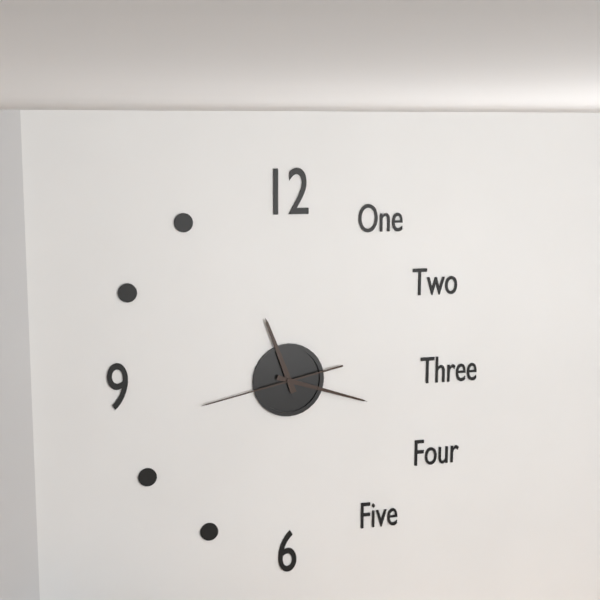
h=11 m=18 s=43
